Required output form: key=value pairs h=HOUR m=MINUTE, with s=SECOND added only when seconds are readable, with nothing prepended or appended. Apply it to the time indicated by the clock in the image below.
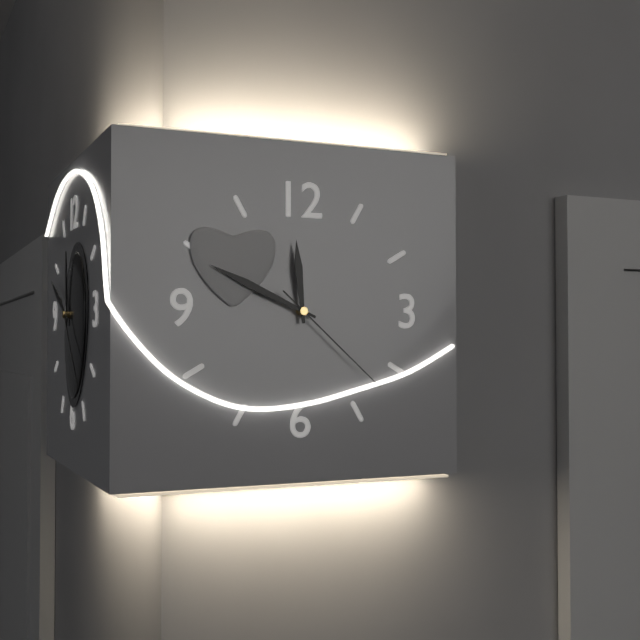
h=11 m=49 s=22
